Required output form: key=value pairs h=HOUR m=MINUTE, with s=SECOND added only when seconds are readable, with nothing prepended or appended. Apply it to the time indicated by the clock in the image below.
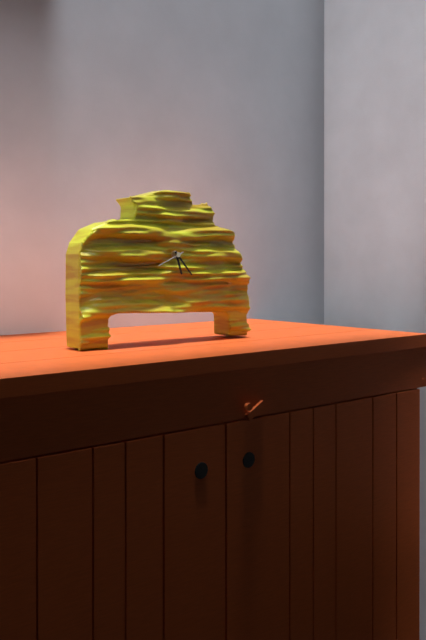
h=5 m=23
